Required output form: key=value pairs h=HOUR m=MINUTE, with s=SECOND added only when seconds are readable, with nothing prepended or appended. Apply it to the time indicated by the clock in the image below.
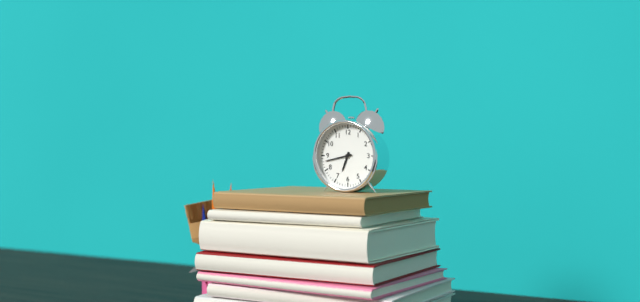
h=6 m=43
